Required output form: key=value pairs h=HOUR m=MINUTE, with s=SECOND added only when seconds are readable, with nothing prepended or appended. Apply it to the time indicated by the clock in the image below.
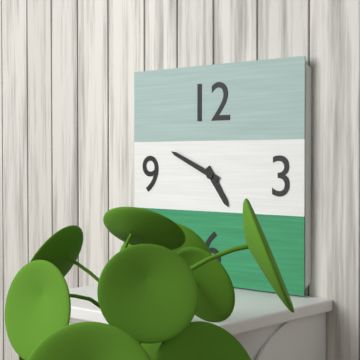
h=4 m=49
